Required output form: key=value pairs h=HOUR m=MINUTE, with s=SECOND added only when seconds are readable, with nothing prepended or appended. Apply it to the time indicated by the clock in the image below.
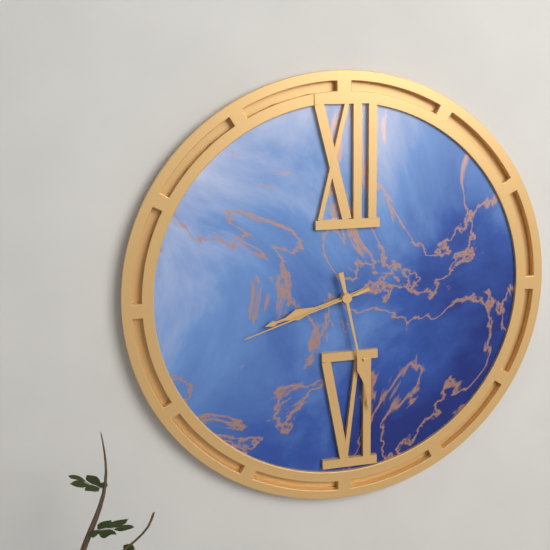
h=8 m=28 s=42
